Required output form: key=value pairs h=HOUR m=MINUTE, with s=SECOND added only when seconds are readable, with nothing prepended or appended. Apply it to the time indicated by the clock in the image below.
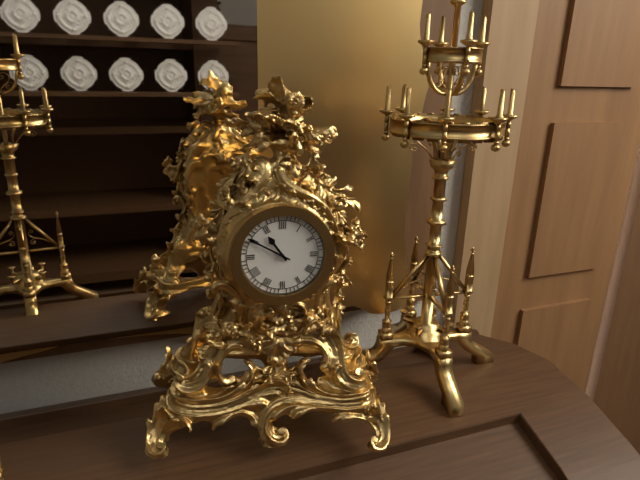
h=10 m=50
